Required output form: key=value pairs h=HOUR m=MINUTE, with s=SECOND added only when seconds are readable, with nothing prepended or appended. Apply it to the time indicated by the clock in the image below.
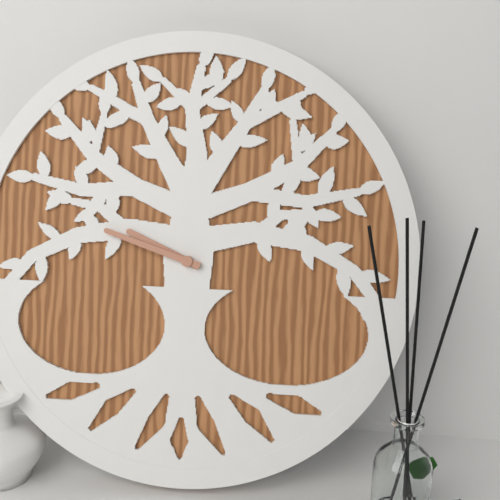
h=9 m=48
